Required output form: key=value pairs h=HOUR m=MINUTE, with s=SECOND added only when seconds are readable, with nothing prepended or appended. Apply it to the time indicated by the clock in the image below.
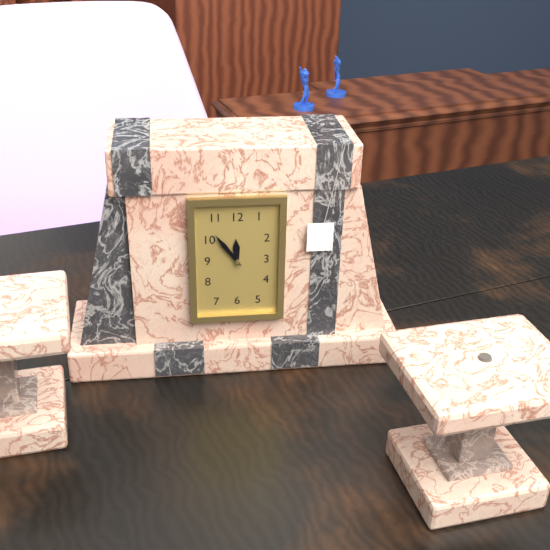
h=11 m=54
